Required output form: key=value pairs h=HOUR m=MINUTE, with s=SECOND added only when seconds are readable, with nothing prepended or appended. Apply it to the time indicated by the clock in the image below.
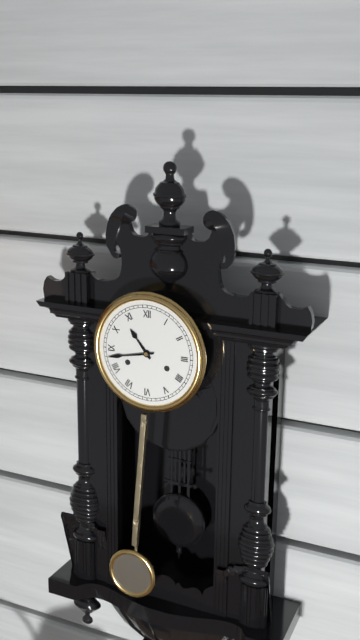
h=10 m=43
